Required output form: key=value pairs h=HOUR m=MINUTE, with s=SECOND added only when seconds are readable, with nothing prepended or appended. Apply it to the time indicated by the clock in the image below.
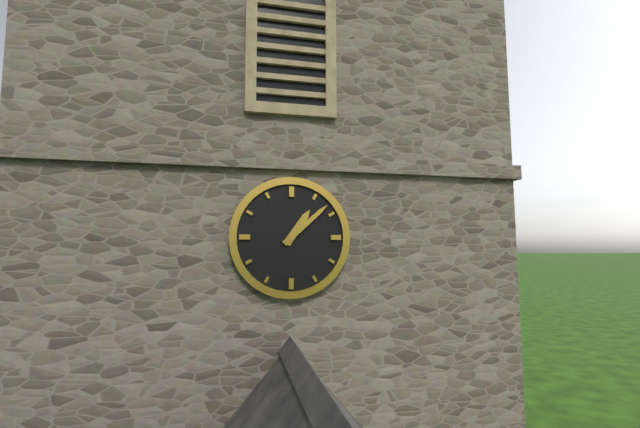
h=1 m=8
